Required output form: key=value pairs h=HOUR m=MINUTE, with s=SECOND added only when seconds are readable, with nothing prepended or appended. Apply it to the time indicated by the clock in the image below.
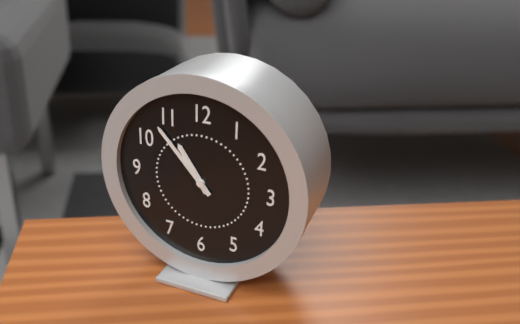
h=10 m=53
